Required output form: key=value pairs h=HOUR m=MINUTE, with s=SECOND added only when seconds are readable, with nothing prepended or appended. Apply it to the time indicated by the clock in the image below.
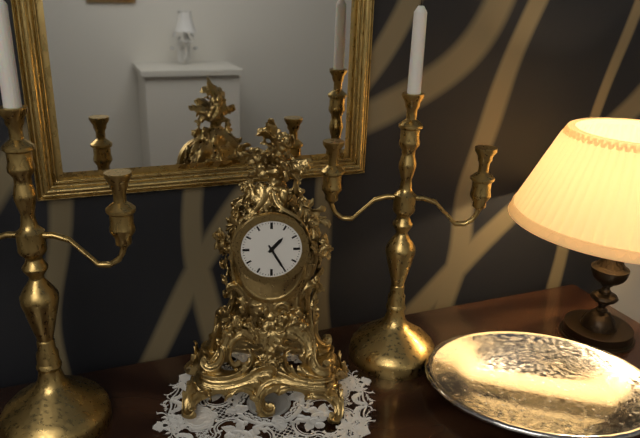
h=1 m=25
